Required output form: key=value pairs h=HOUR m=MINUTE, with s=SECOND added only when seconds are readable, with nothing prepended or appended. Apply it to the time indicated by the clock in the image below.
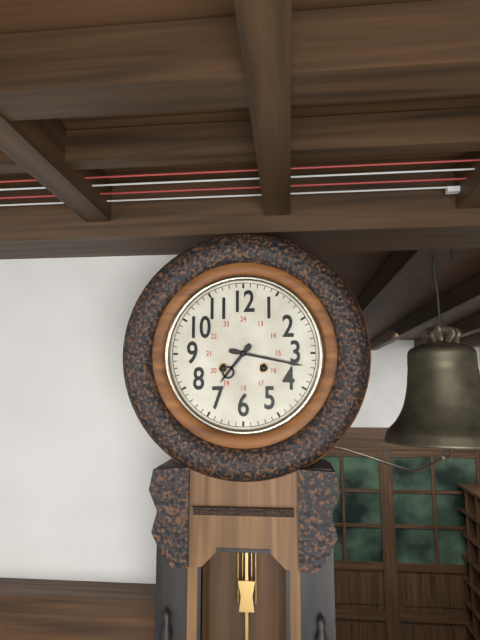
h=7 m=17
